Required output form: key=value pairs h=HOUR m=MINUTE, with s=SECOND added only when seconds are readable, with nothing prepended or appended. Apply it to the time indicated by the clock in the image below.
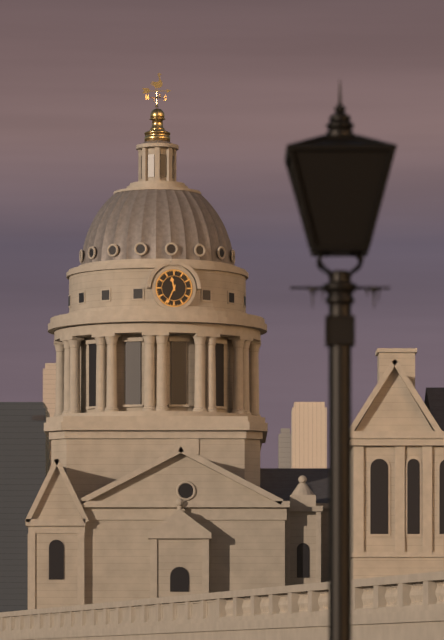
h=11 m=34
